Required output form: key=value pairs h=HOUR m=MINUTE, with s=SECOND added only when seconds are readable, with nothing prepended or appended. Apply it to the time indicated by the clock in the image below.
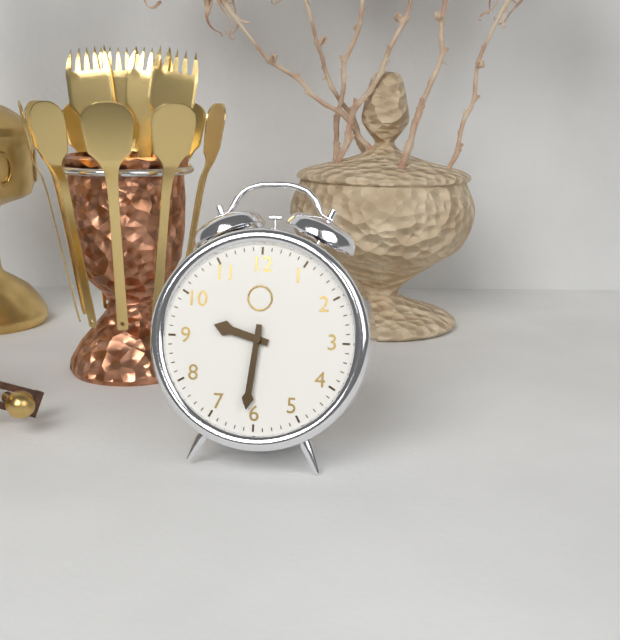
h=9 m=31
